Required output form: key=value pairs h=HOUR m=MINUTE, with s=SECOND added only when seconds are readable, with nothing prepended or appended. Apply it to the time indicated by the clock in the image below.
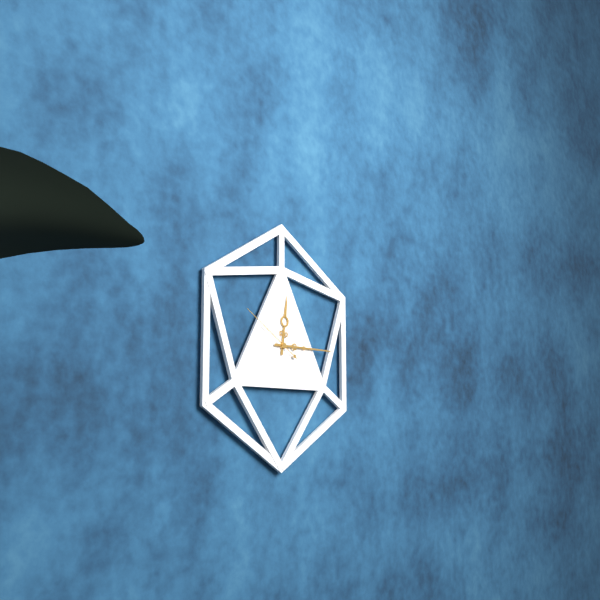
h=12 m=15 s=50
